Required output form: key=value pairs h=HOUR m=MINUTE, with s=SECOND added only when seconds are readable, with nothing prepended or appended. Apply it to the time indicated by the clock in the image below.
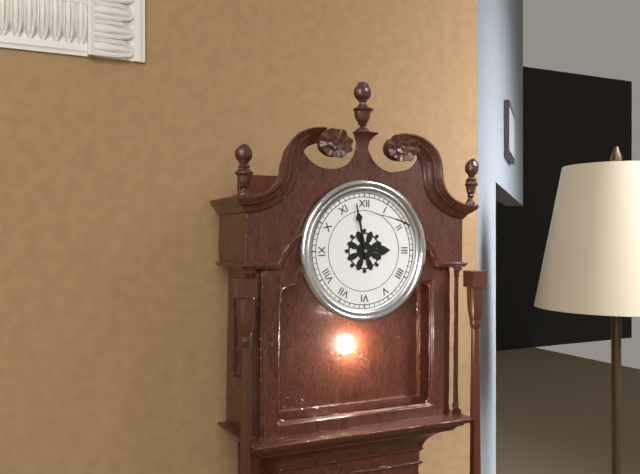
h=2 m=58
